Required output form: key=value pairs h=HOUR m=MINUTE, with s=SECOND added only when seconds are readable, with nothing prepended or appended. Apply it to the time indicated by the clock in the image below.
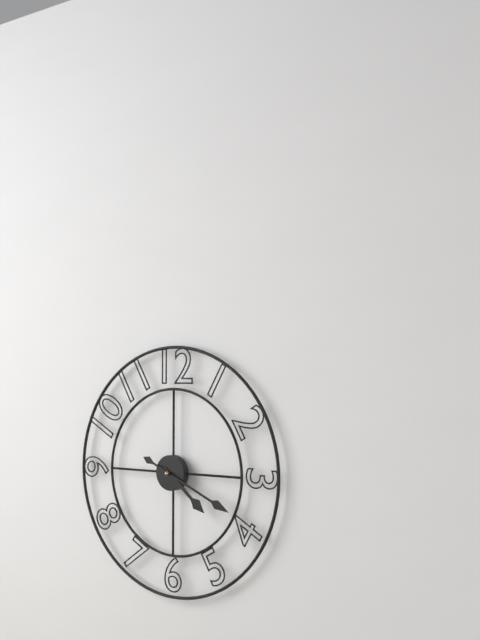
h=4 m=19
